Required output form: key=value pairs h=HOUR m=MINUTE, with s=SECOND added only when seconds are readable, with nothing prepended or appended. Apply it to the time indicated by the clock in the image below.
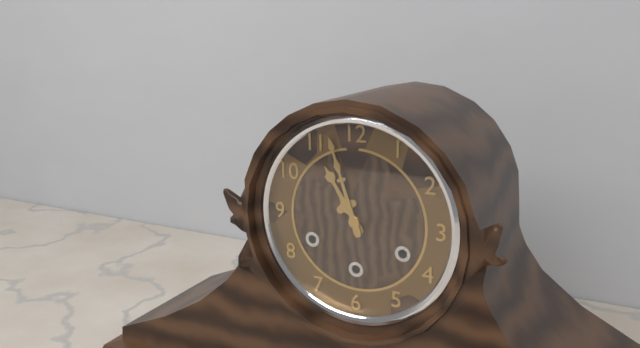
h=10 m=57
